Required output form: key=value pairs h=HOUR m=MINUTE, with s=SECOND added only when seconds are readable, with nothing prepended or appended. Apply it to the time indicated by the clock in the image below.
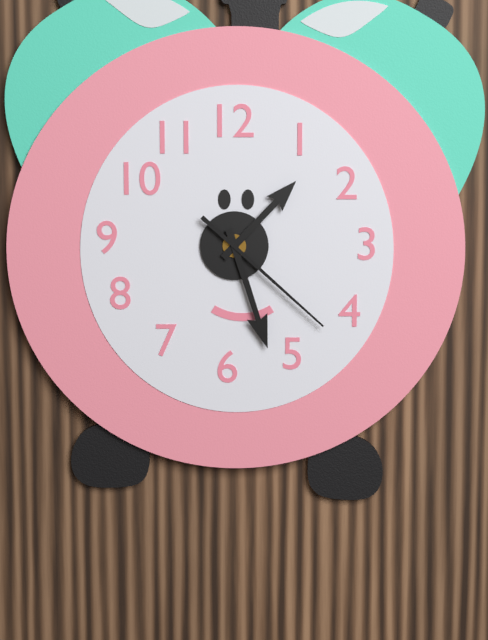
h=1 m=27 s=22
